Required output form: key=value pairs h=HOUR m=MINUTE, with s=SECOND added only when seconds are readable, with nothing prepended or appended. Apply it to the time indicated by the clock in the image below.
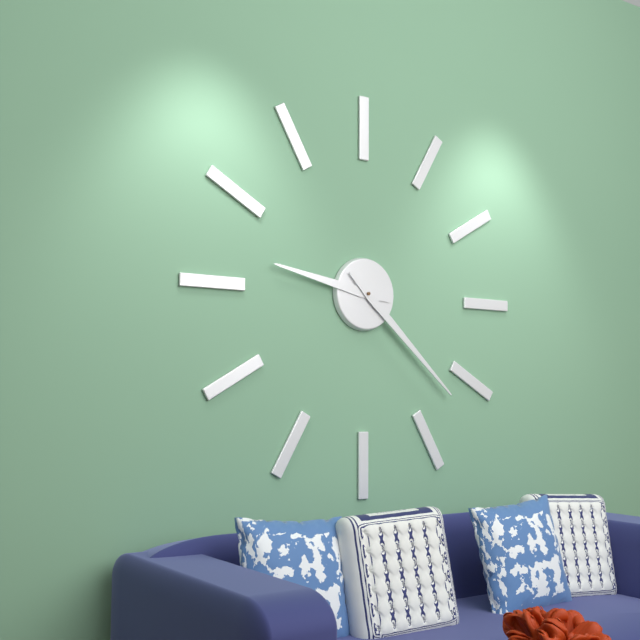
h=9 m=22
